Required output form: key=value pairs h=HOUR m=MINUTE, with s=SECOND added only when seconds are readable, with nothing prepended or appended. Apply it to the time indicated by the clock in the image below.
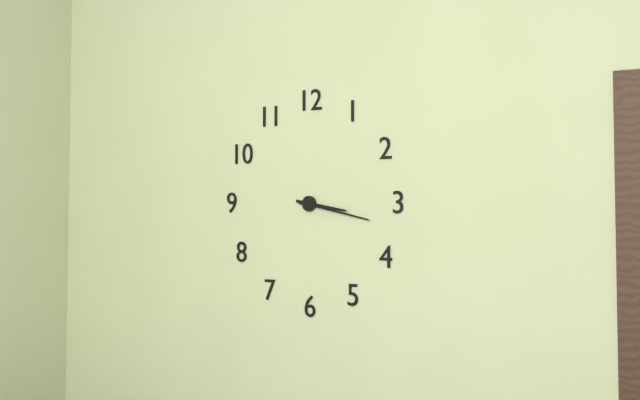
h=3 m=17
